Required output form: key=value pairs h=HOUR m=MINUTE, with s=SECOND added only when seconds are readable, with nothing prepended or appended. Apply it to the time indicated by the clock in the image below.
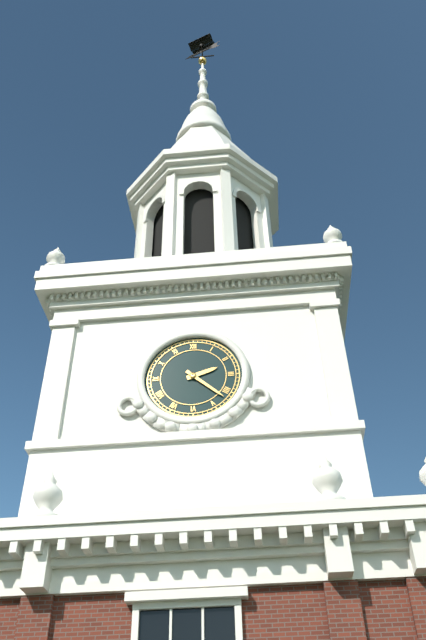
h=2 m=22
